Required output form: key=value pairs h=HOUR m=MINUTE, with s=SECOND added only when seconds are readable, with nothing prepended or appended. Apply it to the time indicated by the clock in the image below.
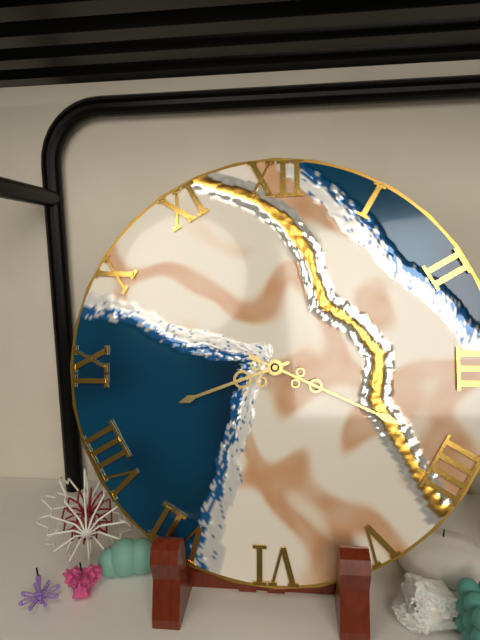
h=8 m=19
